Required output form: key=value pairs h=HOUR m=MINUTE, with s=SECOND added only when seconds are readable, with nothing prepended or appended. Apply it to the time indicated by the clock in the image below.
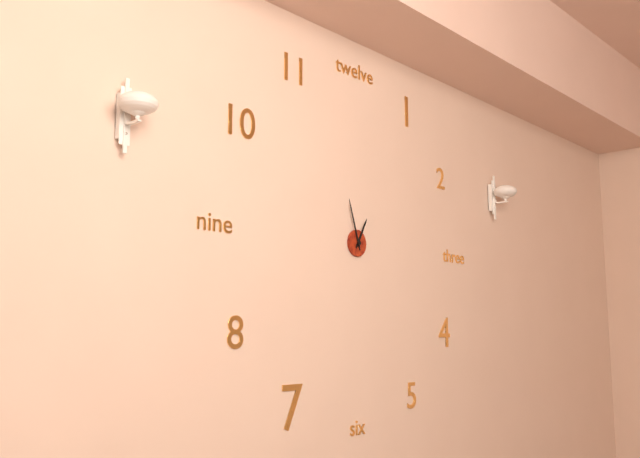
h=12 m=57
